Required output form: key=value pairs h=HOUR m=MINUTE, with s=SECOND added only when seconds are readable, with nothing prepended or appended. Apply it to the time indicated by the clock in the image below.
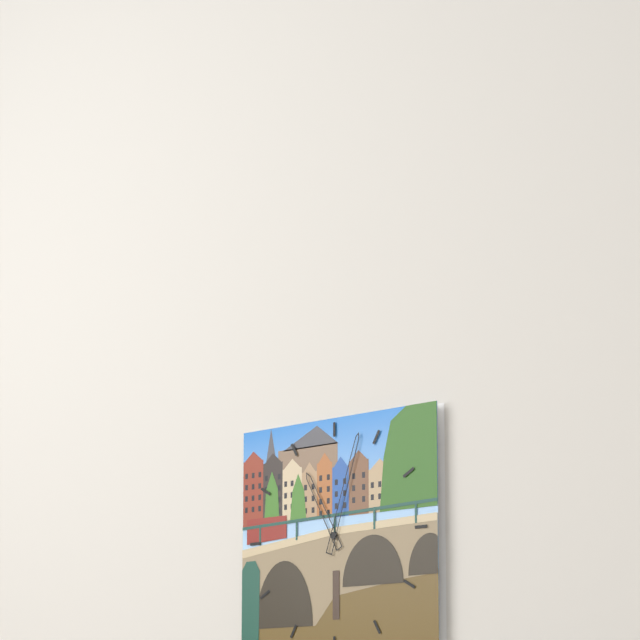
h=11 m=3
